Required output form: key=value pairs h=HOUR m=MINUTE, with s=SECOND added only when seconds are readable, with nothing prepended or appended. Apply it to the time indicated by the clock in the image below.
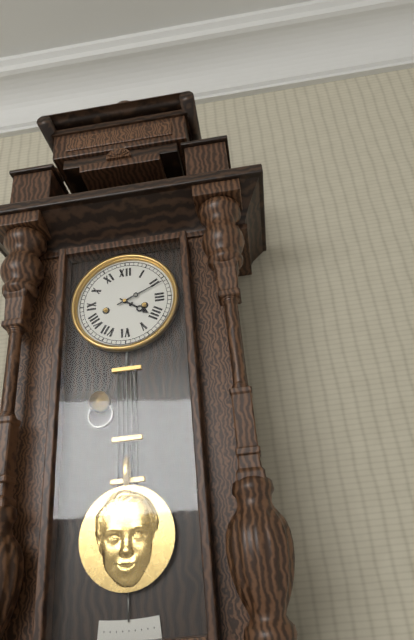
h=4 m=11
